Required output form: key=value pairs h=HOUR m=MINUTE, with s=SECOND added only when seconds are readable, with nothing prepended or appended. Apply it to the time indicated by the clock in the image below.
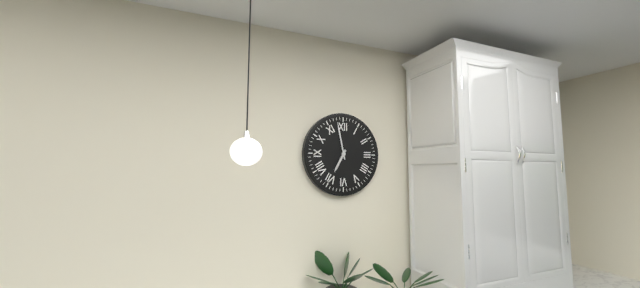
h=6 m=58
